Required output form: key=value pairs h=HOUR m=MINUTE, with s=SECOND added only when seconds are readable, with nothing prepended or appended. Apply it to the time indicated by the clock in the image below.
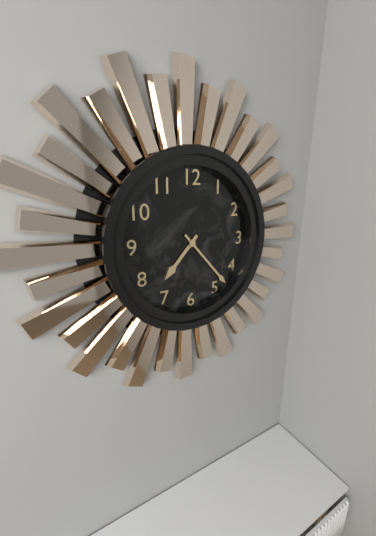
h=7 m=23
